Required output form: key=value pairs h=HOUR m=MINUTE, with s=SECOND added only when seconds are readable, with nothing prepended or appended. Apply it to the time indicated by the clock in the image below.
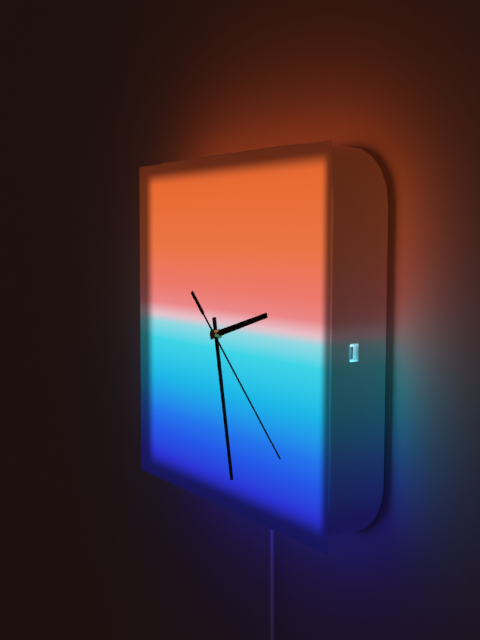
h=2 m=28 s=22
